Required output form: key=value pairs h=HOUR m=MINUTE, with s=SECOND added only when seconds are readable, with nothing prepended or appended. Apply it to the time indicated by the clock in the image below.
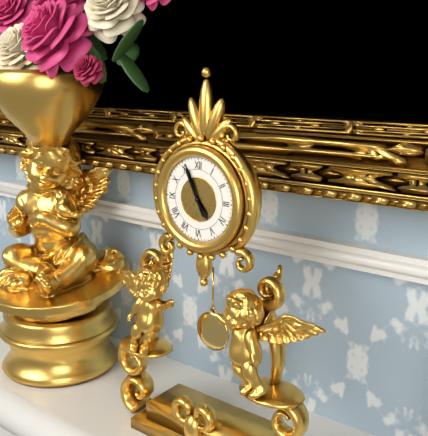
h=4 m=56
